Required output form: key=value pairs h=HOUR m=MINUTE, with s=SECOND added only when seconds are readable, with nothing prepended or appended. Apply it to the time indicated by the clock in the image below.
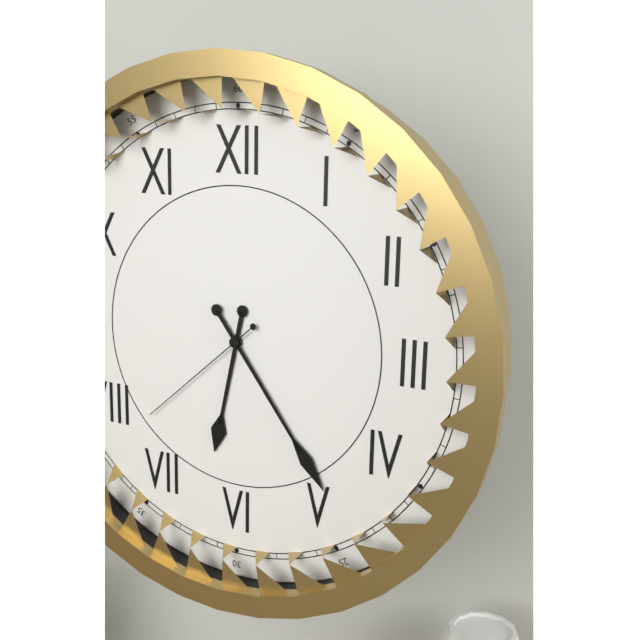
h=6 m=24 s=38
